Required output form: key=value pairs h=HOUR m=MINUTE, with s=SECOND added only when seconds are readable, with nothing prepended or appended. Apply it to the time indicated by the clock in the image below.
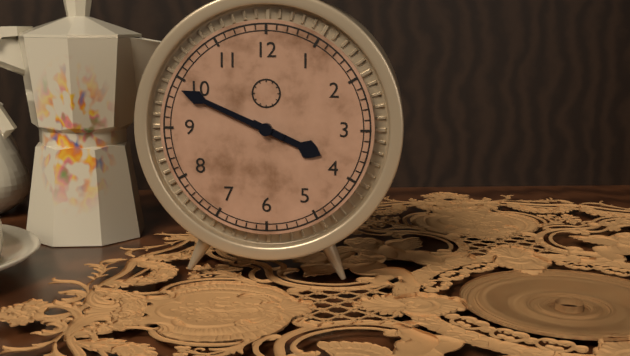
h=3 m=49
